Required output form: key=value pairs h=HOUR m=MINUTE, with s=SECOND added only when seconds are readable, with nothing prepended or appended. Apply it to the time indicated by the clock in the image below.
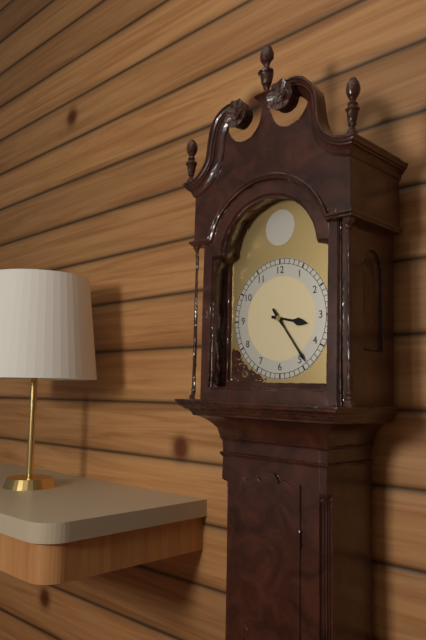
h=3 m=24
